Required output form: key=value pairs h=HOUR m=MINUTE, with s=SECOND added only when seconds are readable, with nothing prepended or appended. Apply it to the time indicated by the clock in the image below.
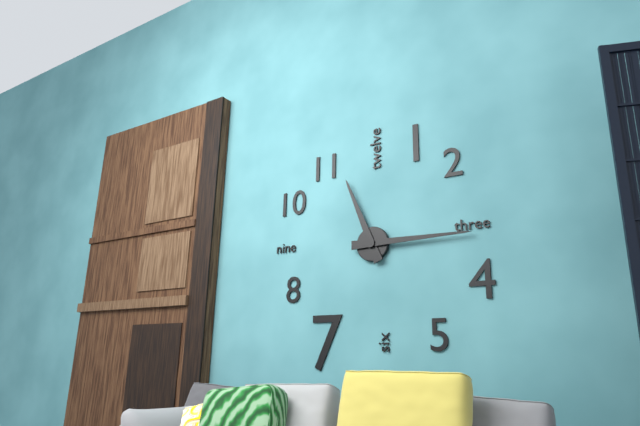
h=11 m=15
